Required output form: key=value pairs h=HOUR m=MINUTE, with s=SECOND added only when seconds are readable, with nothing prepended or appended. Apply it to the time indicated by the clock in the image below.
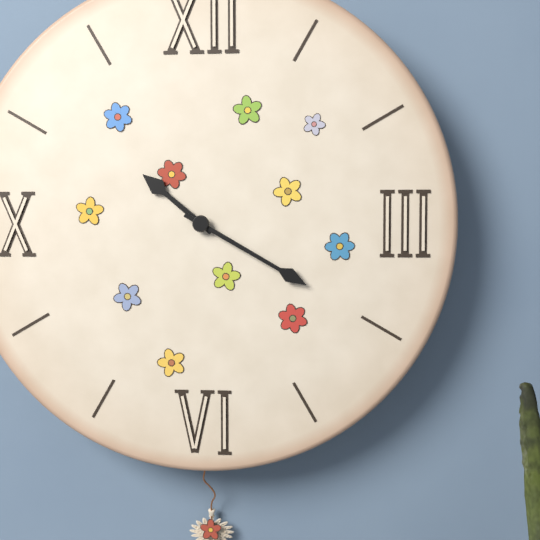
h=10 m=20
